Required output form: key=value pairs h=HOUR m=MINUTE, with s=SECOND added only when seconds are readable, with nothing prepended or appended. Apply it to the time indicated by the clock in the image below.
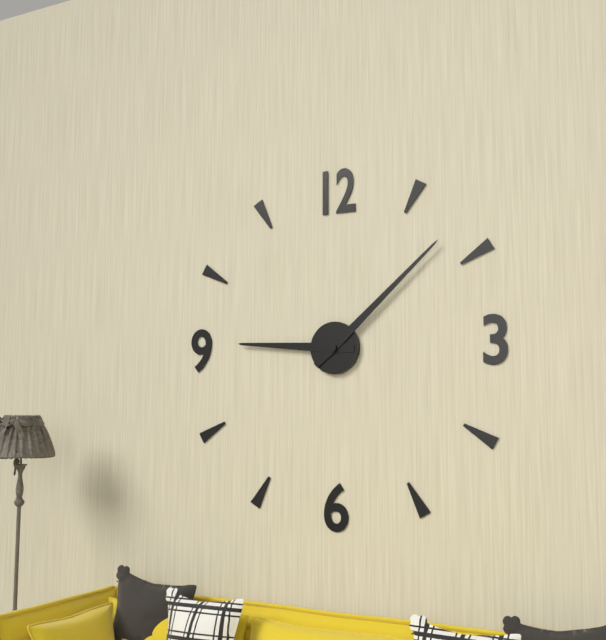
h=9 m=8
